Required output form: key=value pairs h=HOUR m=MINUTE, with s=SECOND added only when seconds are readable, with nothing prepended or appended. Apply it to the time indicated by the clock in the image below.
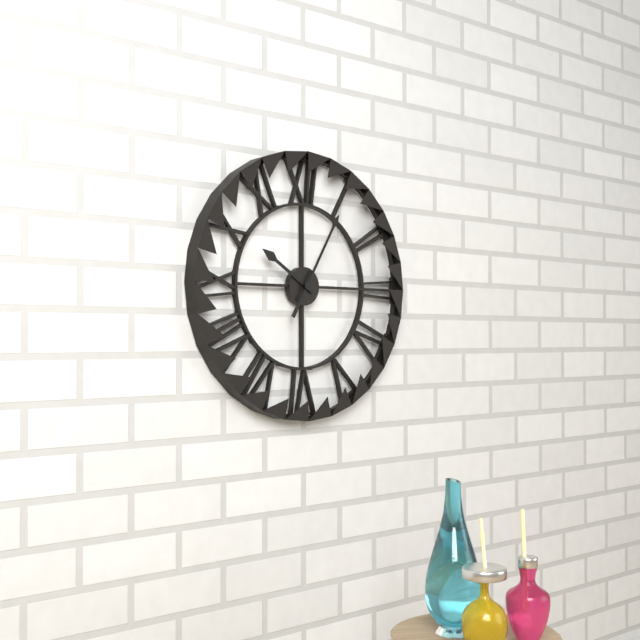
h=10 m=5
